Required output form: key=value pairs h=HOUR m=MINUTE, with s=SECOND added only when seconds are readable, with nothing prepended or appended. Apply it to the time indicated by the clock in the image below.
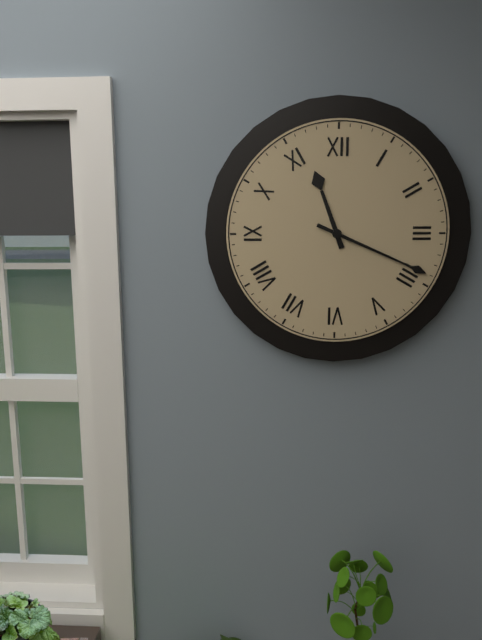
h=11 m=19
